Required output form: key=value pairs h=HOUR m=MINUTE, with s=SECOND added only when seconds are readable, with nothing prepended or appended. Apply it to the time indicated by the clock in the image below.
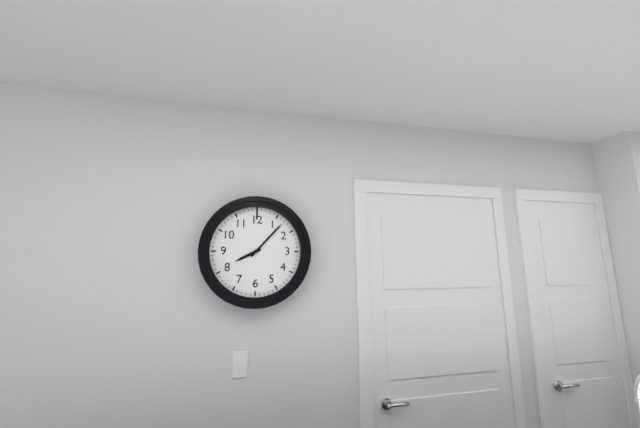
h=8 m=7
